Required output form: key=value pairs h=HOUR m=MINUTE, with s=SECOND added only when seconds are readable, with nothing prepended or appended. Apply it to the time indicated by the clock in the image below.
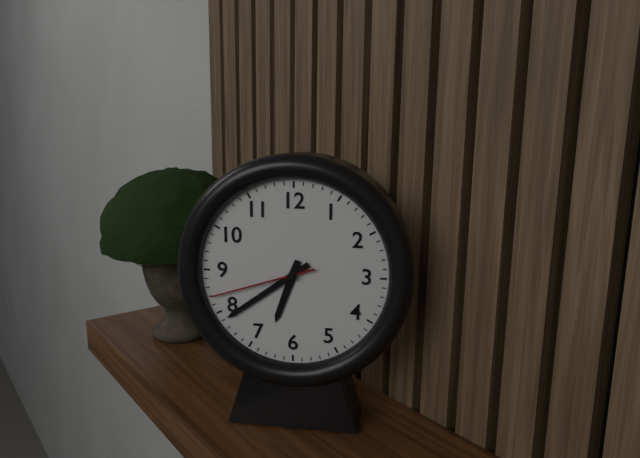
h=6 m=39 s=42
